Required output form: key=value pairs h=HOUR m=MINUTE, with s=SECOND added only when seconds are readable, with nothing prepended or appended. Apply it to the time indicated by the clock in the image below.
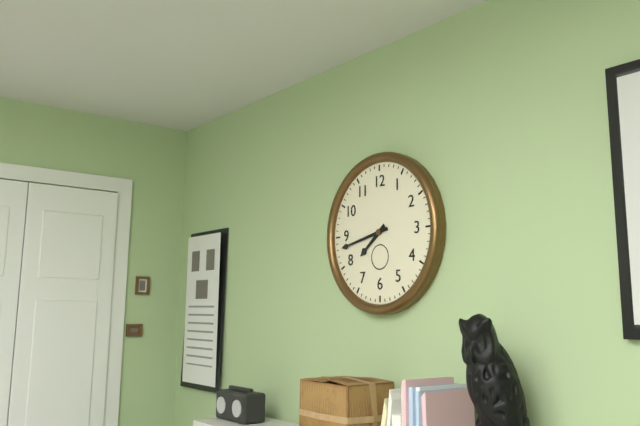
h=7 m=43
